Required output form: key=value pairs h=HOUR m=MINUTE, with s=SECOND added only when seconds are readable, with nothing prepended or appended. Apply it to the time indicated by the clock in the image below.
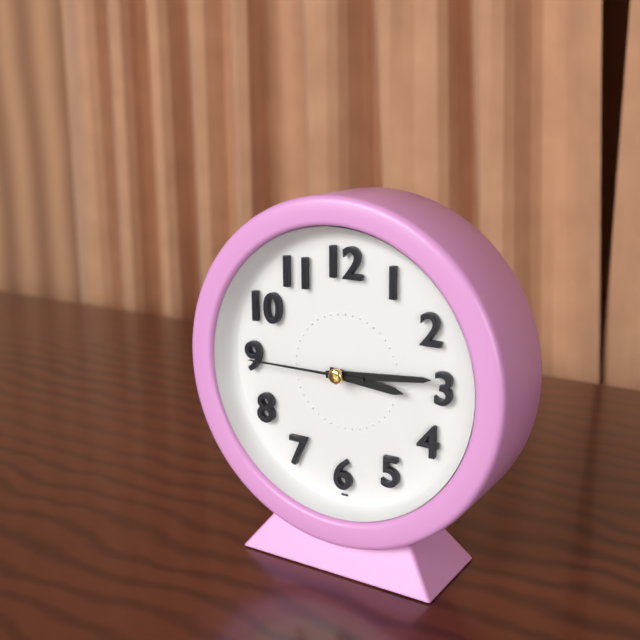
h=3 m=14 s=45
